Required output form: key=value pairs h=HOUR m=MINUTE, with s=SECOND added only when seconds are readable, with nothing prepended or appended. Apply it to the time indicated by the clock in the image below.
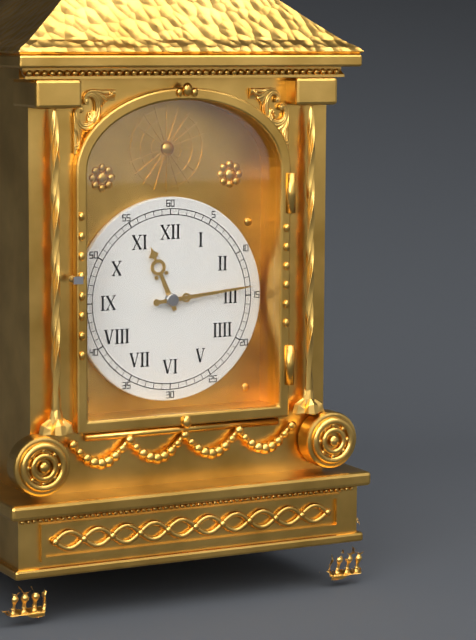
h=11 m=14
